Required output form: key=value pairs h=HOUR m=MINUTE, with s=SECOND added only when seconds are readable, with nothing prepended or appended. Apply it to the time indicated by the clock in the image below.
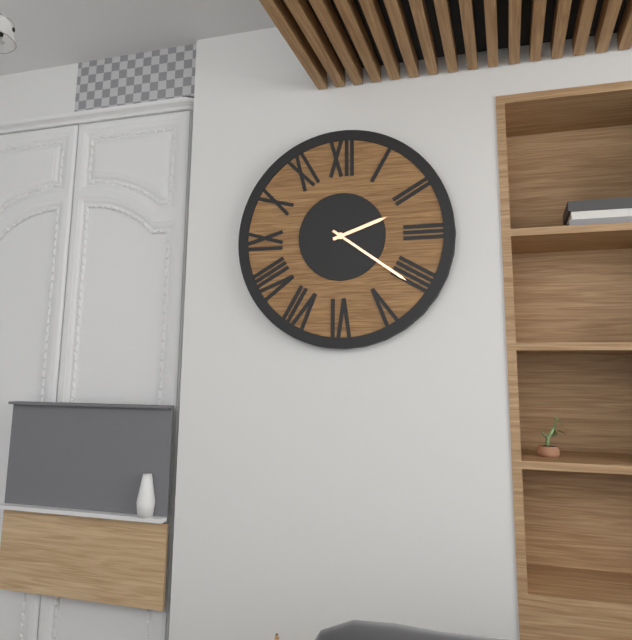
h=2 m=21
